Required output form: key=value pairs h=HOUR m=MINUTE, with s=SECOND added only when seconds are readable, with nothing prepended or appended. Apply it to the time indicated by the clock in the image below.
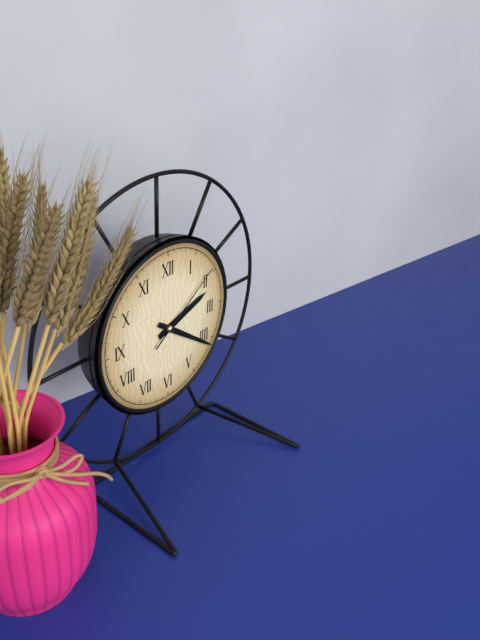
h=2 m=21 s=9
